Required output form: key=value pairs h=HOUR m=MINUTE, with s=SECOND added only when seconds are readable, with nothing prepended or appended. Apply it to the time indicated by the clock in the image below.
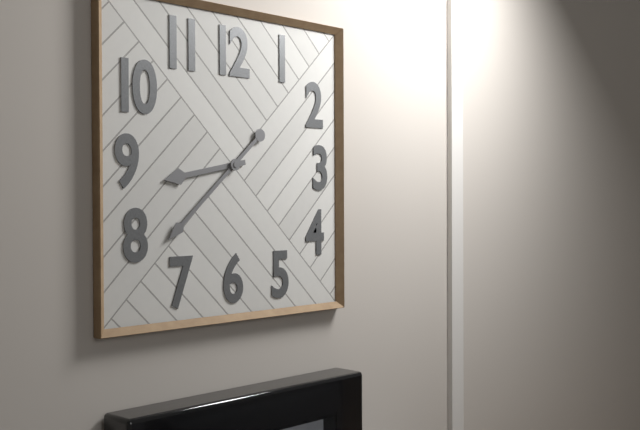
h=8 m=38
